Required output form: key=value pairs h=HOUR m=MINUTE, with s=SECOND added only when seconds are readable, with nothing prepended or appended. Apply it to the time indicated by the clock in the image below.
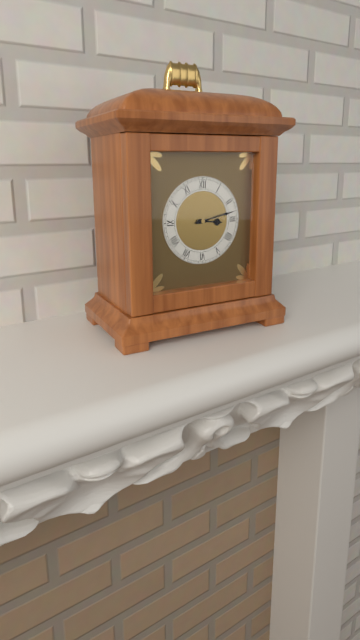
h=3 m=13
